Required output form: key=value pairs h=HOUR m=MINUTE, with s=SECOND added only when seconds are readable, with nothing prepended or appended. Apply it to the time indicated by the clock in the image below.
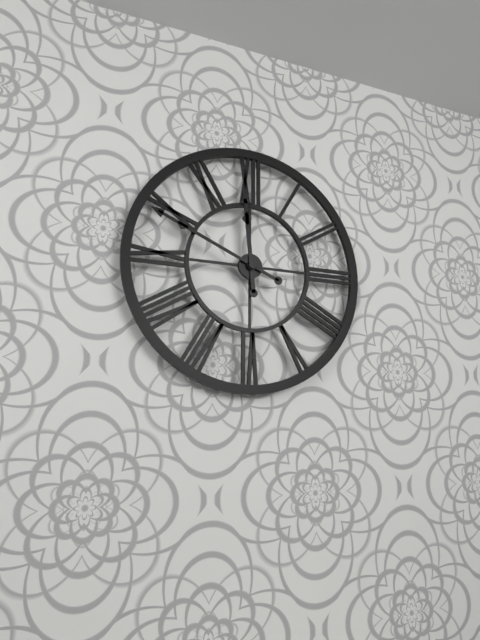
h=11 m=49
